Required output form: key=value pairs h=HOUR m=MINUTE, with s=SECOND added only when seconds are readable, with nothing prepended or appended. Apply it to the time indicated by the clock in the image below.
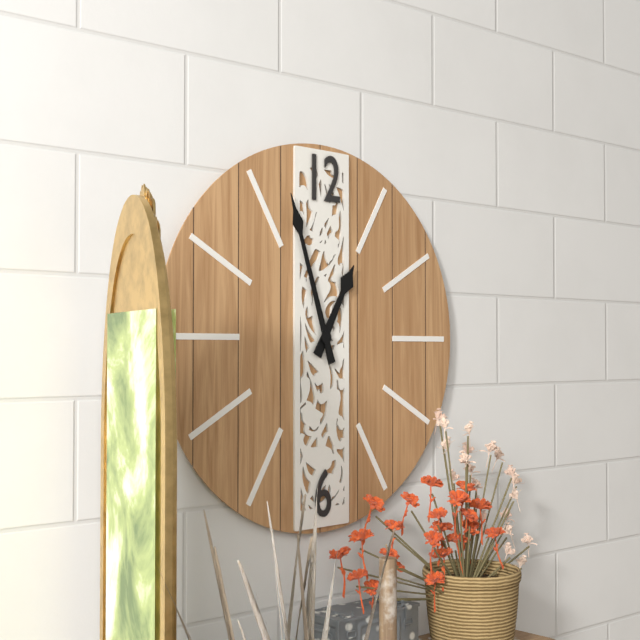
h=12 m=57
